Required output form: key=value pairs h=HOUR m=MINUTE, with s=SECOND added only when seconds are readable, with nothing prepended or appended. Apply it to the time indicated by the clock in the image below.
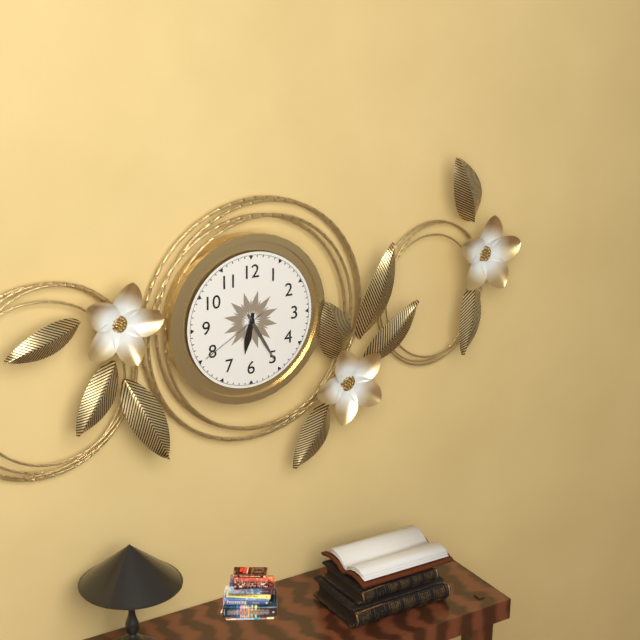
h=6 m=25 s=40
